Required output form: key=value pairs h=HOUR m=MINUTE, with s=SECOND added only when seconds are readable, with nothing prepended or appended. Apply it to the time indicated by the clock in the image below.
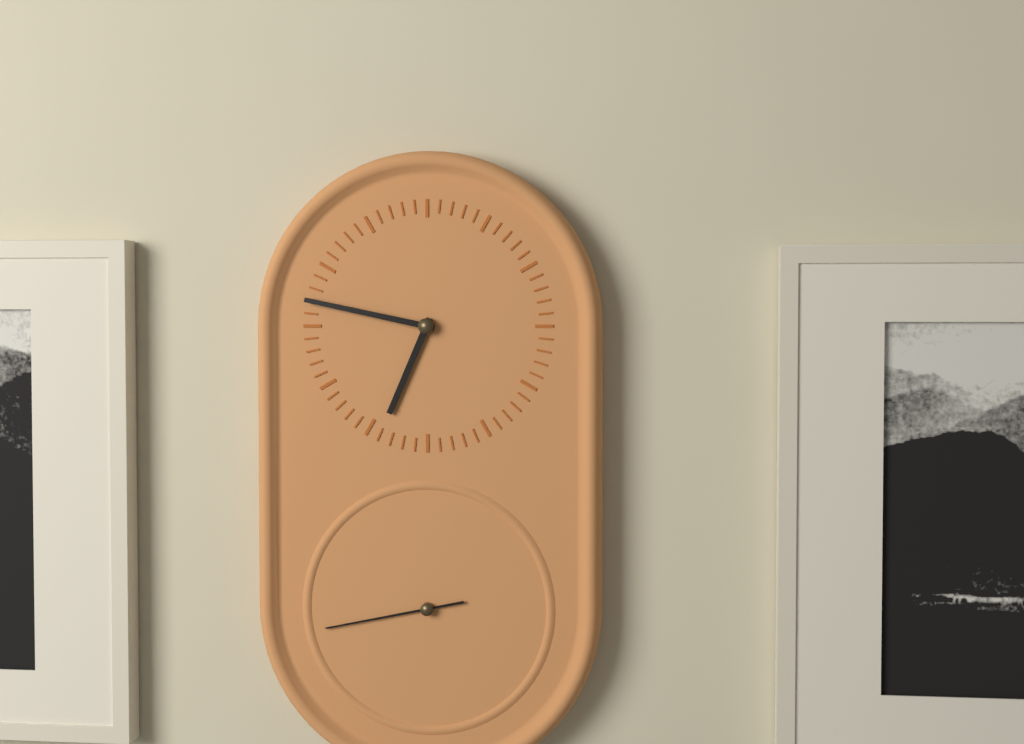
h=6 m=47 s=43
